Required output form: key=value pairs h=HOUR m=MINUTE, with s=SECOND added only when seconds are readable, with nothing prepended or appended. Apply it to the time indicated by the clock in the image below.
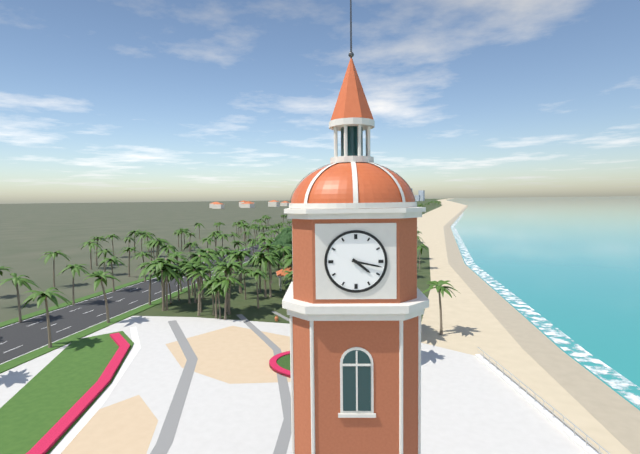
h=4 m=17
